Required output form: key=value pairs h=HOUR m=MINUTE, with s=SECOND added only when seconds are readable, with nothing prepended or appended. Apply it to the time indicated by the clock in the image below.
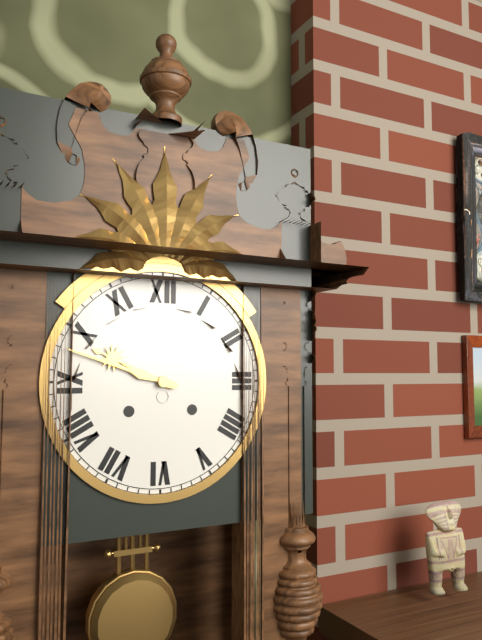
h=9 m=48
